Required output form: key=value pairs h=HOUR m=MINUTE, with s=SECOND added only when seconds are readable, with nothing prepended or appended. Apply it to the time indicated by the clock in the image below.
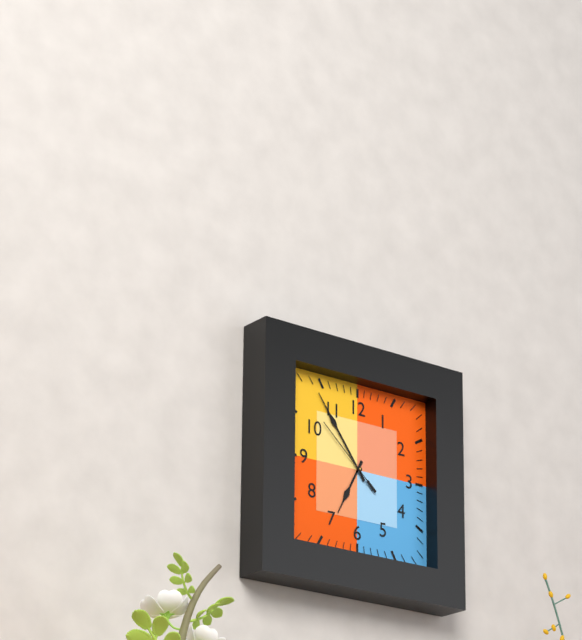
h=6 m=54 s=52
